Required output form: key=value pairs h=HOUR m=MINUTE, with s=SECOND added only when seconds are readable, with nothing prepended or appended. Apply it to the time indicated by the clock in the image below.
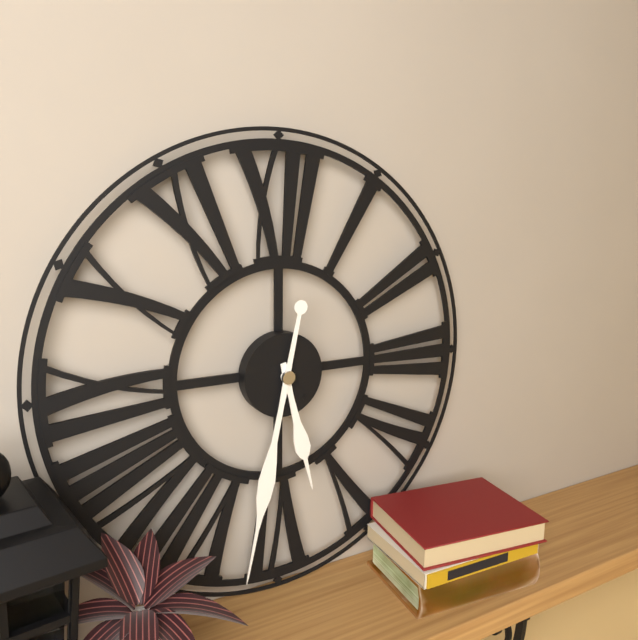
h=5 m=32
